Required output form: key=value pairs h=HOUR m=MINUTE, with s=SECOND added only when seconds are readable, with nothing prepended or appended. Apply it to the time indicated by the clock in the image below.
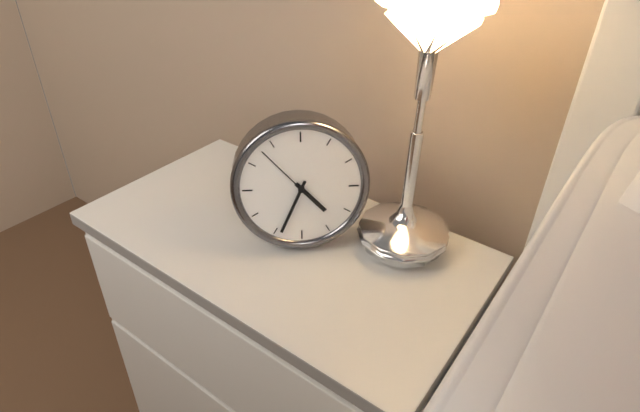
h=4 m=34 s=53
